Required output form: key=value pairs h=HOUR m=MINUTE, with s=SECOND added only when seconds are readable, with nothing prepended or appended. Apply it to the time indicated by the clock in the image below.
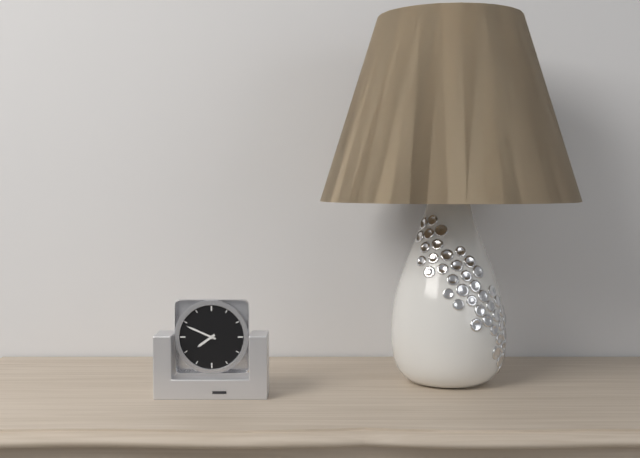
h=7 m=49
